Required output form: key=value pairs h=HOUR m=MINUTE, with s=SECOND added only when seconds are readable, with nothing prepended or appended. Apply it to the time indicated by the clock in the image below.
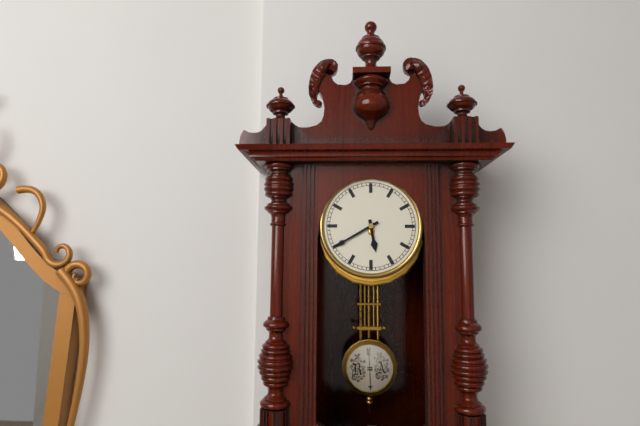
h=5 m=40
